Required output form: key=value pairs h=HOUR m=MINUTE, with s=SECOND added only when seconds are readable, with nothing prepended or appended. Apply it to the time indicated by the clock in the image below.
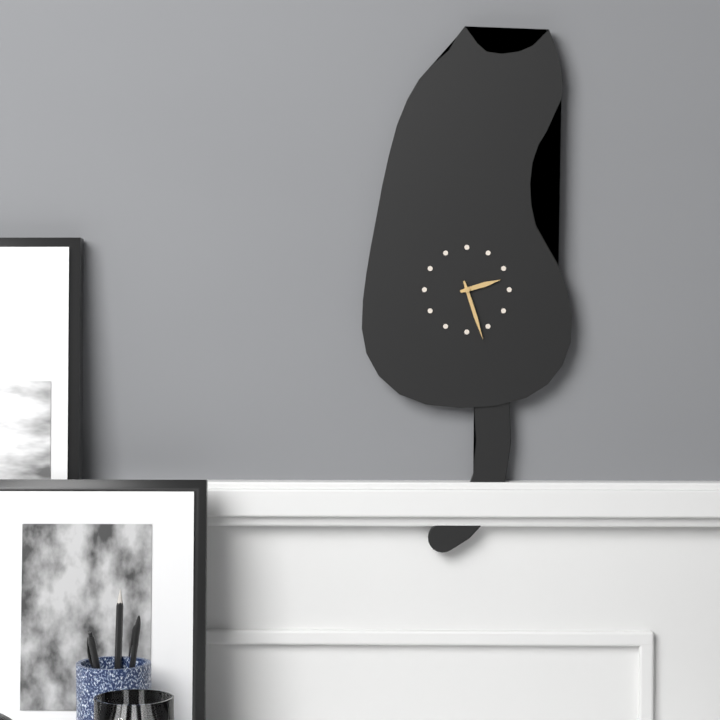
h=2 m=27
